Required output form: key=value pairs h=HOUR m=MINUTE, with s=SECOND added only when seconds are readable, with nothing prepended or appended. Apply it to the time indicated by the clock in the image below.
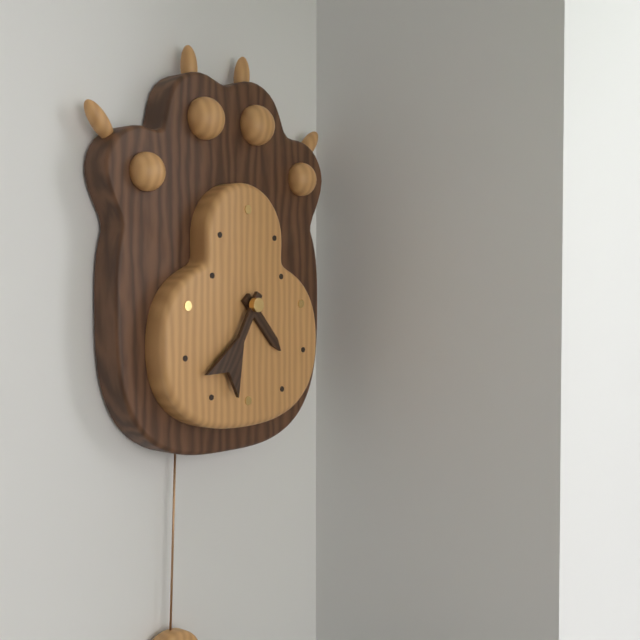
h=4 m=35
